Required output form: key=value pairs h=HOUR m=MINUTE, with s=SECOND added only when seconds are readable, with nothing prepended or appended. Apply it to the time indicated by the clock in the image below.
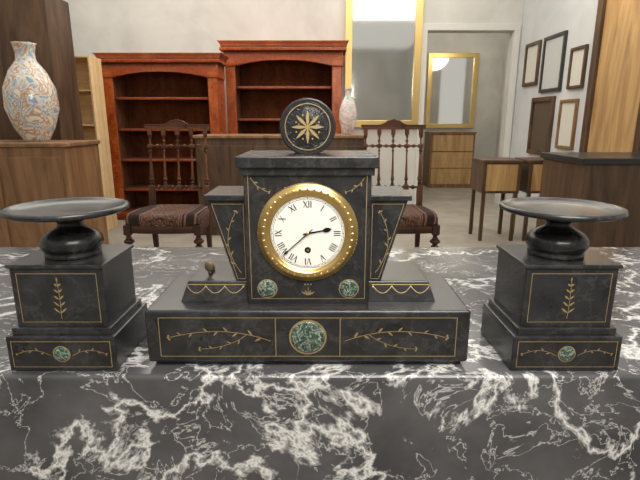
h=2 m=38
